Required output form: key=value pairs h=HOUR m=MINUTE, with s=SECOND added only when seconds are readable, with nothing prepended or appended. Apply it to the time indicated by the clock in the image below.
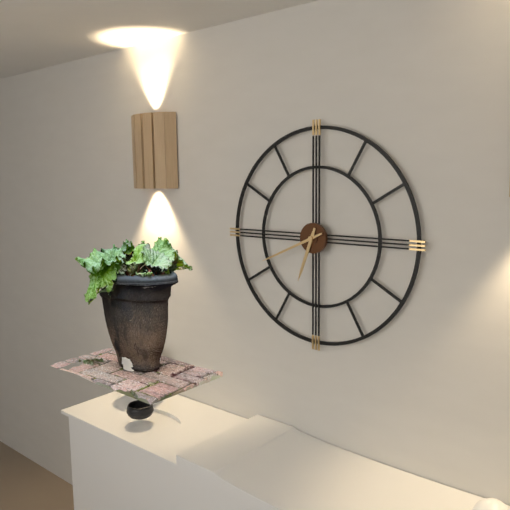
h=6 m=41
